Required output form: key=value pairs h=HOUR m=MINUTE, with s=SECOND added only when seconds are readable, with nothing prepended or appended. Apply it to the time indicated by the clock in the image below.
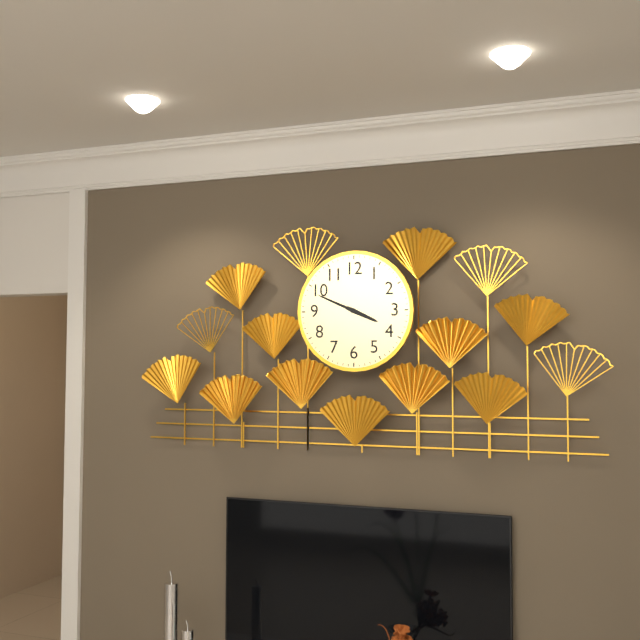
h=3 m=49
